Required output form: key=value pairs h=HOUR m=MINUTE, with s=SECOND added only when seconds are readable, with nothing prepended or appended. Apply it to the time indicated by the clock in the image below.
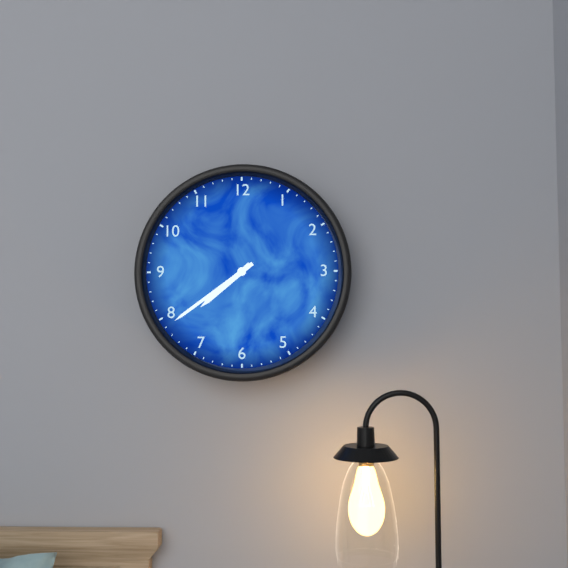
h=7 m=39
